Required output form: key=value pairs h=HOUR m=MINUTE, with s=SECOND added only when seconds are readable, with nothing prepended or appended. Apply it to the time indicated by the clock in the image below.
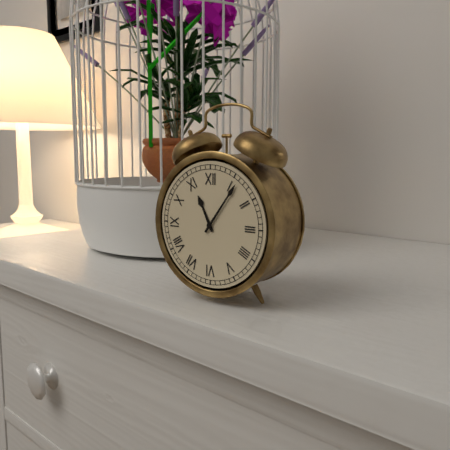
h=11 m=6
